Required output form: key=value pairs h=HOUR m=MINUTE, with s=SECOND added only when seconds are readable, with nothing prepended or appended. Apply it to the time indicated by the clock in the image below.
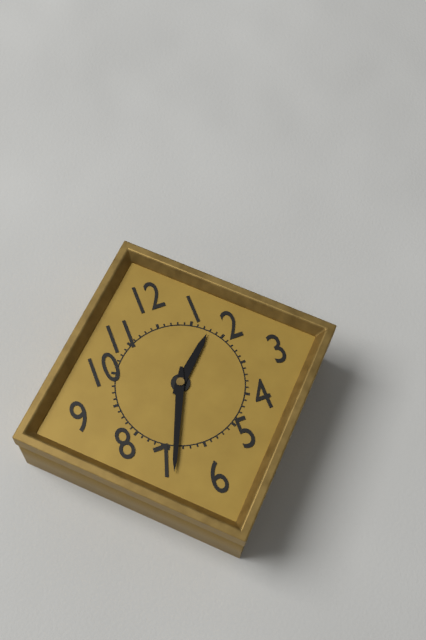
h=1 m=34
